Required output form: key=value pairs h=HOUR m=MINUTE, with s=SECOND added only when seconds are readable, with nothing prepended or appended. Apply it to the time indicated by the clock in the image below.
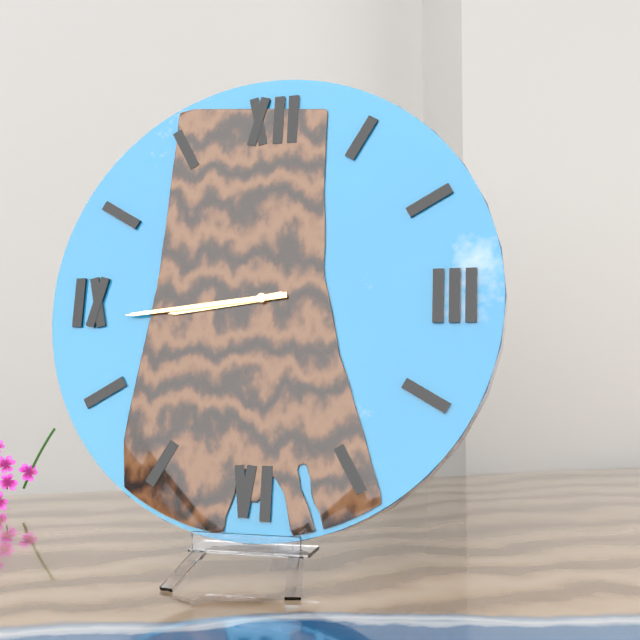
h=8 m=44
